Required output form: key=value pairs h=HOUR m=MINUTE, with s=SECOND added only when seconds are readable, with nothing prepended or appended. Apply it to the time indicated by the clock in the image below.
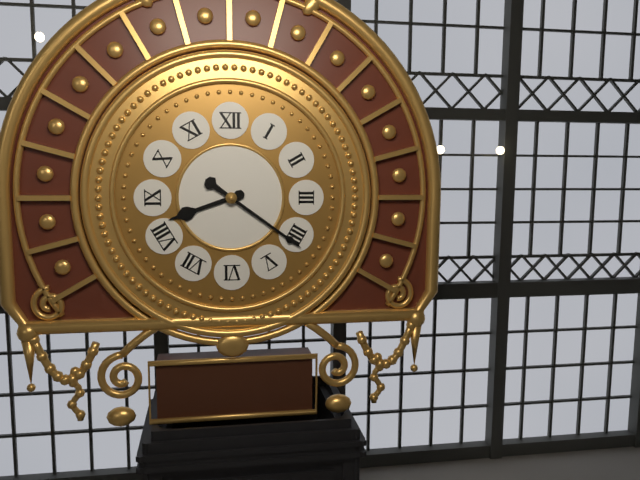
h=8 m=21
